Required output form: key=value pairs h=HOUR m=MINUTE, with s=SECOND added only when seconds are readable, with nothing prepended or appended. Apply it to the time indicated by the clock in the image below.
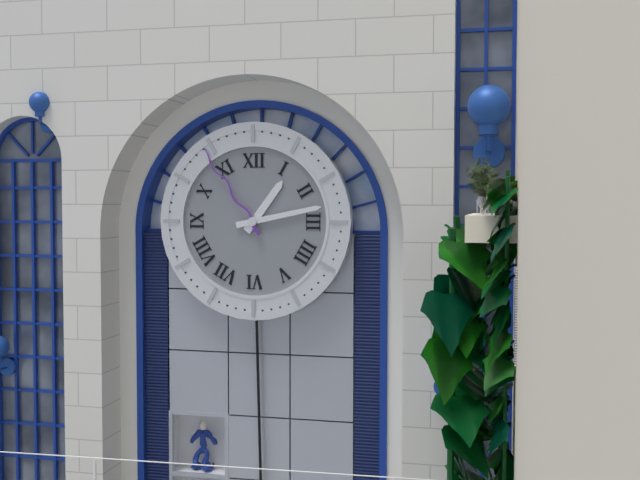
h=1 m=13 s=54
